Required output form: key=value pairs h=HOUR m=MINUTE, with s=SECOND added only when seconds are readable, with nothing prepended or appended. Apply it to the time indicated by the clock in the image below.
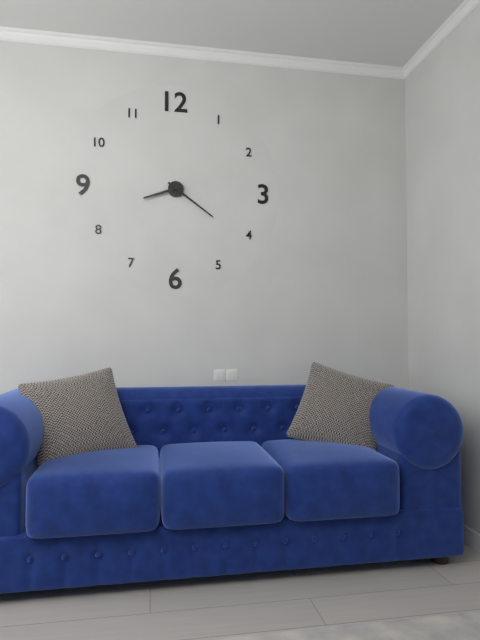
h=8 m=21
